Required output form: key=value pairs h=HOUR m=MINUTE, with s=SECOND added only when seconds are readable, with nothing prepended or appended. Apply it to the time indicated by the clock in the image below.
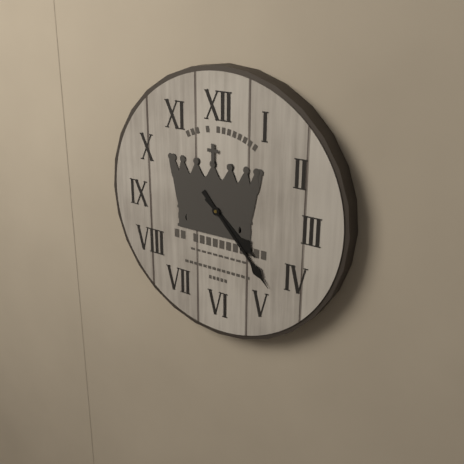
h=4 m=23
